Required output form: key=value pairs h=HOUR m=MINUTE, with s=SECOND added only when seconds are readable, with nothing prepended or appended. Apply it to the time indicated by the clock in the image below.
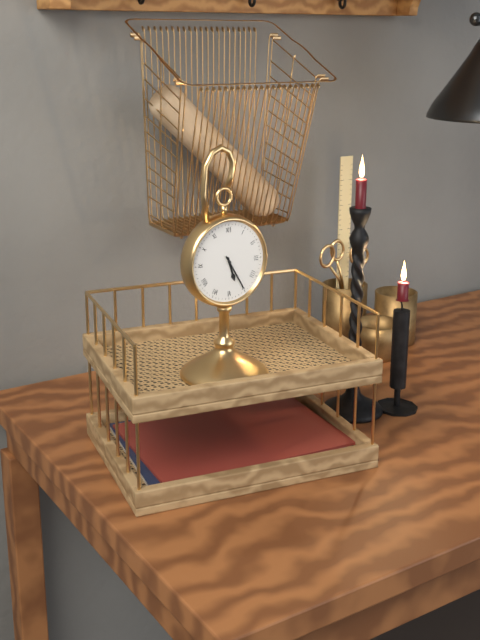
h=5 m=25
